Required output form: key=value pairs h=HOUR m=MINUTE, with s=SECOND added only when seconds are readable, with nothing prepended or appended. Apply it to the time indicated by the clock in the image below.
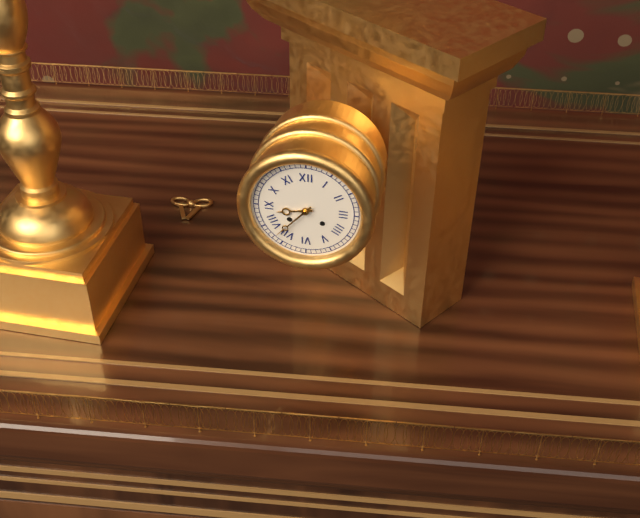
h=8 m=37
